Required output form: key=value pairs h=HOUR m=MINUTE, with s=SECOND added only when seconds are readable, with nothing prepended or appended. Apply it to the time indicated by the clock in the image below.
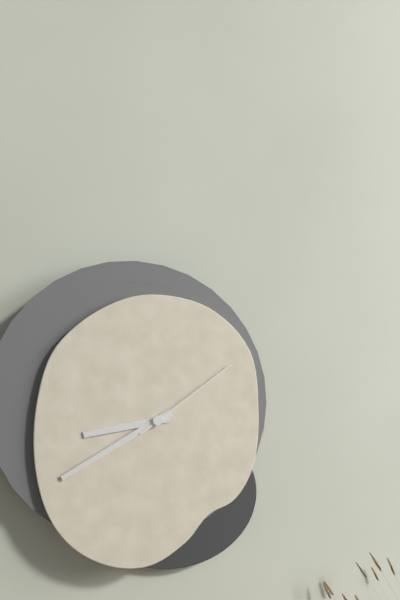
h=8 m=40 s=9
